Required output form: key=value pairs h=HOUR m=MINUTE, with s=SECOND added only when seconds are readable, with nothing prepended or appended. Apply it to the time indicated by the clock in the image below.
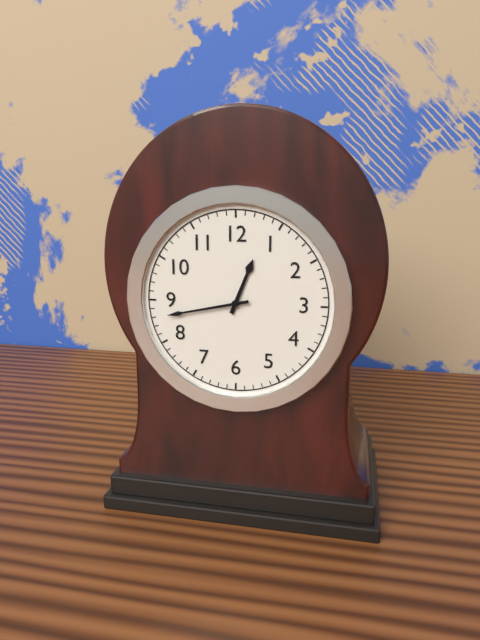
h=12 m=43
